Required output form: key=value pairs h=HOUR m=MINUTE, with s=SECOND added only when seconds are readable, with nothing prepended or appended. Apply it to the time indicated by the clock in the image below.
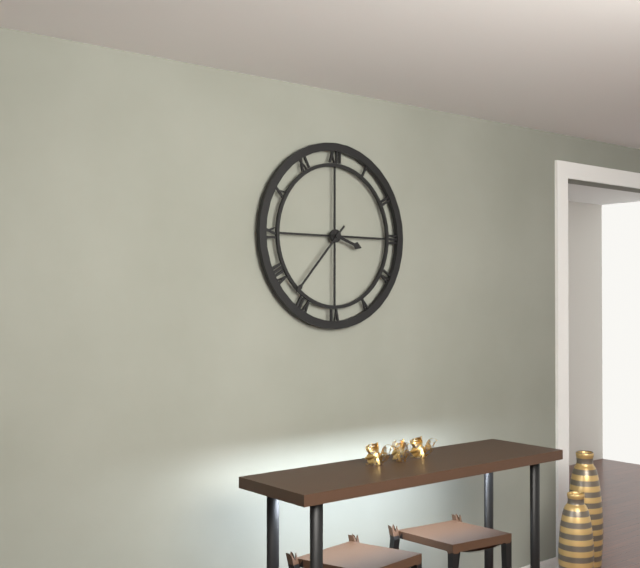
h=3 m=37
